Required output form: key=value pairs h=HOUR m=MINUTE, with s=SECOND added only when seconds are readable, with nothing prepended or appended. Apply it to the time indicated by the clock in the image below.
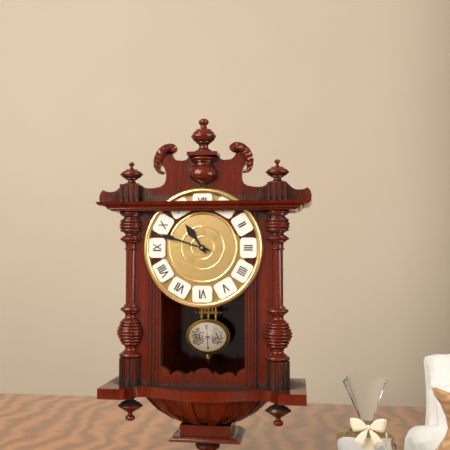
h=10 m=48
